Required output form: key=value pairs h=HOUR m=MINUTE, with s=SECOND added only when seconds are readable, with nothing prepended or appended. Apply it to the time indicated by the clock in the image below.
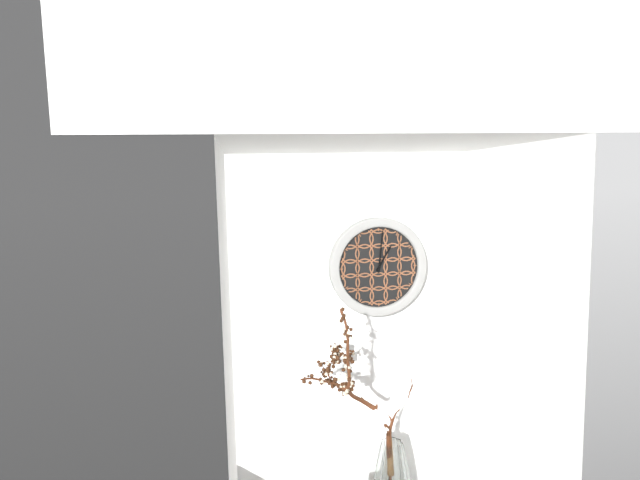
h=1 m=1
